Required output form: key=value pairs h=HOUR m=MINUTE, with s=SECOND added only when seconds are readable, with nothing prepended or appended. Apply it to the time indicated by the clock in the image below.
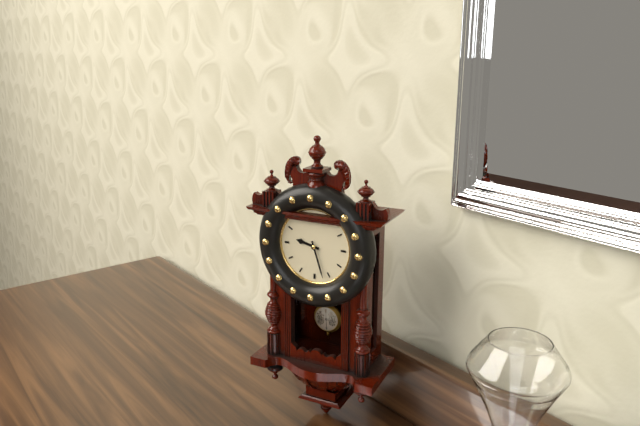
h=9 m=27
